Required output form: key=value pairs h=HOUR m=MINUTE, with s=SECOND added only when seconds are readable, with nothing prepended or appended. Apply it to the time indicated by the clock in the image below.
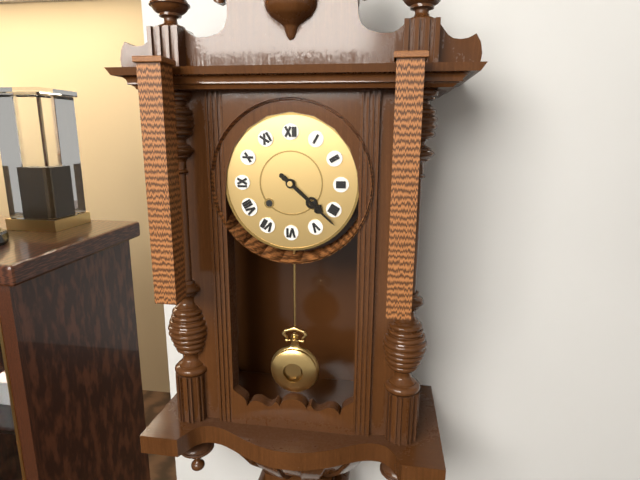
h=4 m=22
